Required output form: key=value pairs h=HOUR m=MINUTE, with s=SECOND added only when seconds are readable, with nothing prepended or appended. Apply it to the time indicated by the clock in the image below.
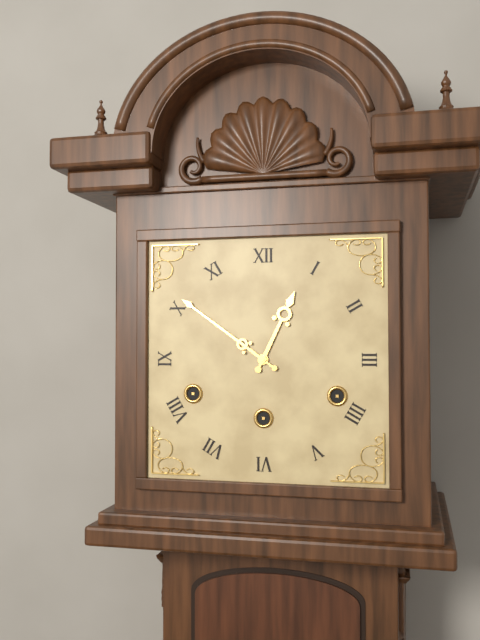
h=12 m=51
